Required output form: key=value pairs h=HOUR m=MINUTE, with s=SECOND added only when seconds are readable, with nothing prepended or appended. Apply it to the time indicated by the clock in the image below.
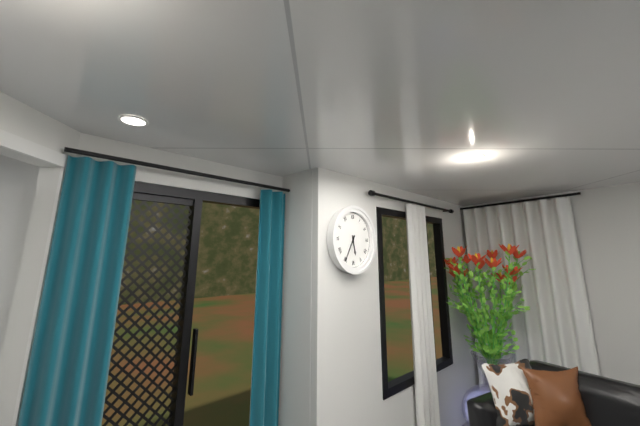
h=5 m=35
